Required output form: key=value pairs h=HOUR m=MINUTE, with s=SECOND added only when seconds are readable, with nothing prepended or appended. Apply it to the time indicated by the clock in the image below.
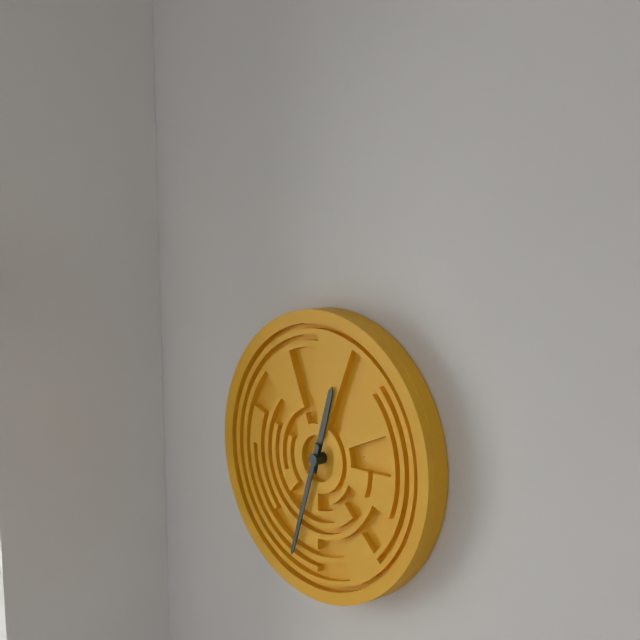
h=12 m=33
